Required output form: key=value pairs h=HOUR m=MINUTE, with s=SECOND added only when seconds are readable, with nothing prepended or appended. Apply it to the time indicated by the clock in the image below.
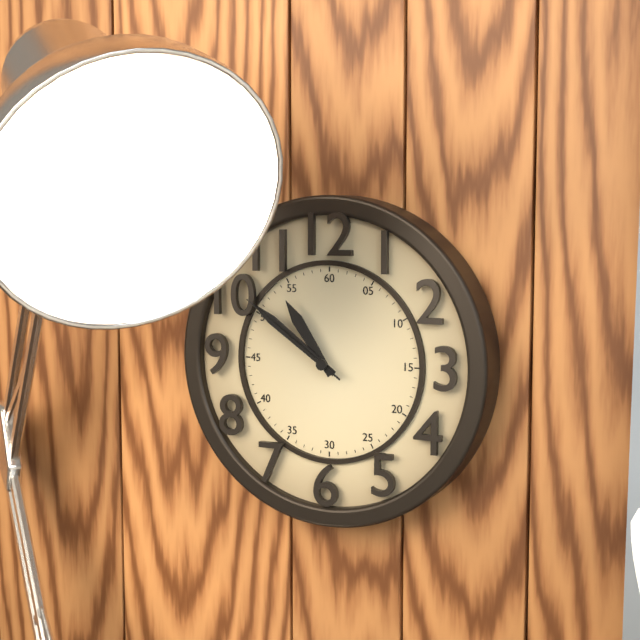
h=10 m=51 s=51
